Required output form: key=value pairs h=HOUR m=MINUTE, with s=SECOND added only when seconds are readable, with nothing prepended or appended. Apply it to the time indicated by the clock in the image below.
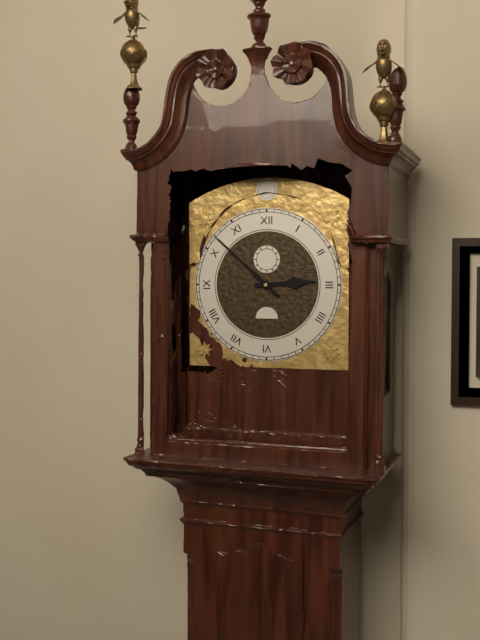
h=2 m=52
